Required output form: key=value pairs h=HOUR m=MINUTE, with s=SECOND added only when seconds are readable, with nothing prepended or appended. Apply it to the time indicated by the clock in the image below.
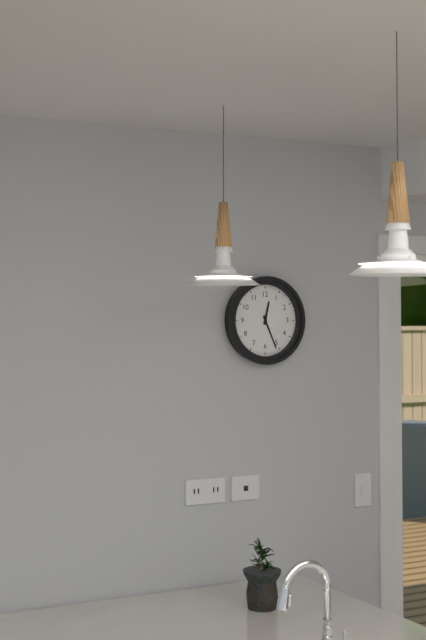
h=12 m=26
